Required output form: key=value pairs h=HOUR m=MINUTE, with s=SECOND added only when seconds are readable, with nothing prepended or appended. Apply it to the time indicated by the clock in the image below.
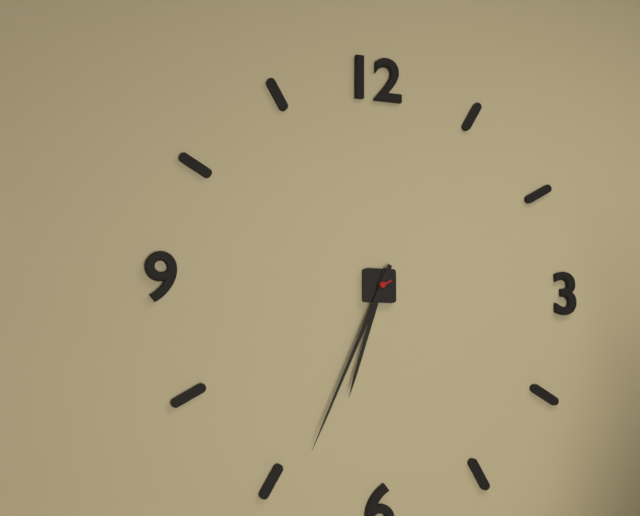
h=6 m=34
